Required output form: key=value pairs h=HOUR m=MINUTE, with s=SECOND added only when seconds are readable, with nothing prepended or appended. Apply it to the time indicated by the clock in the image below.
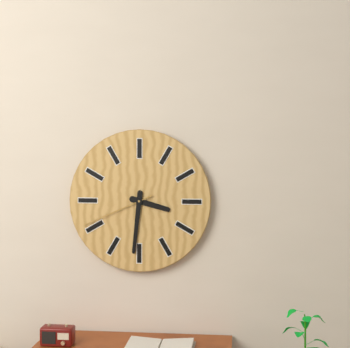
h=3 m=31 s=41
